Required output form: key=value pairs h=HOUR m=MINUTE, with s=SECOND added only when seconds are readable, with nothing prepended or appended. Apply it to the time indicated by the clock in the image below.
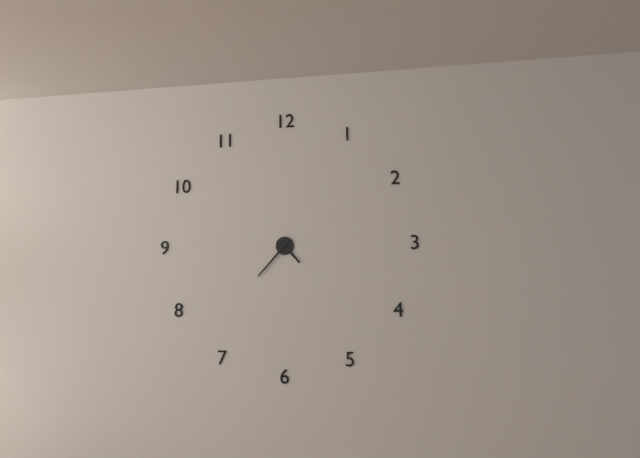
h=4 m=37
